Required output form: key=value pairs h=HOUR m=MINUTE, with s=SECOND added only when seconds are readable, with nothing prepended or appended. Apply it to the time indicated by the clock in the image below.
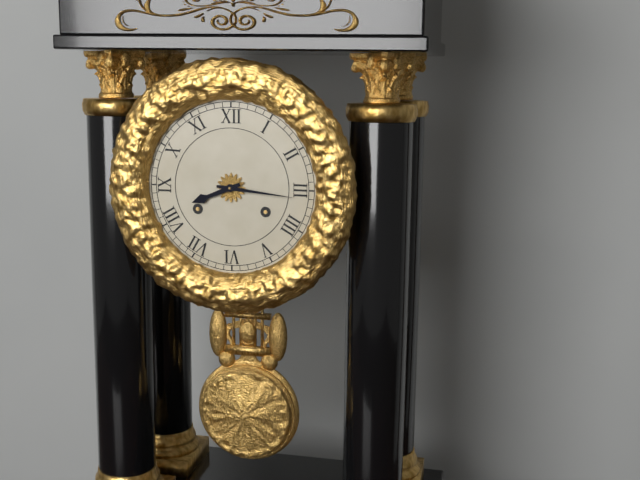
h=8 m=16
